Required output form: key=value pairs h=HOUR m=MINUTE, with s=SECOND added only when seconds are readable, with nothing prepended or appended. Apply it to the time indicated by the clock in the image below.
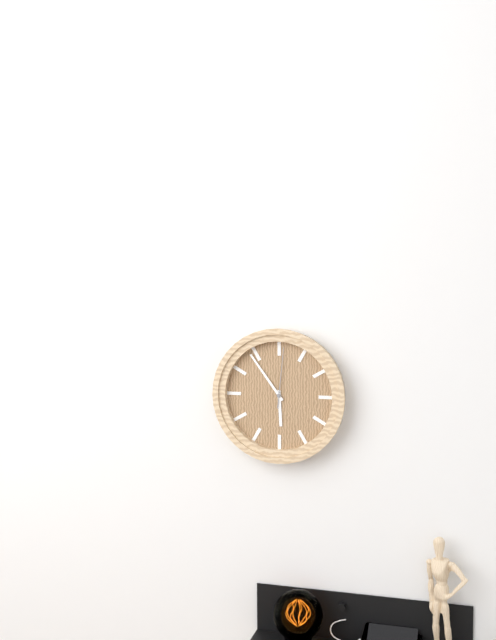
h=5 m=54 s=1
